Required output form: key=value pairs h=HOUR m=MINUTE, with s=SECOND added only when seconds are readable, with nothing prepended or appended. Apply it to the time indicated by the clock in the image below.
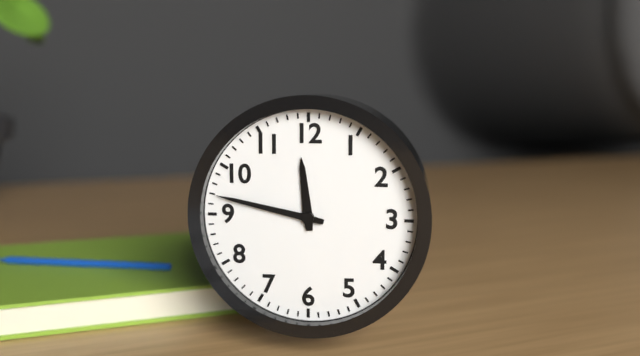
h=11 m=47
